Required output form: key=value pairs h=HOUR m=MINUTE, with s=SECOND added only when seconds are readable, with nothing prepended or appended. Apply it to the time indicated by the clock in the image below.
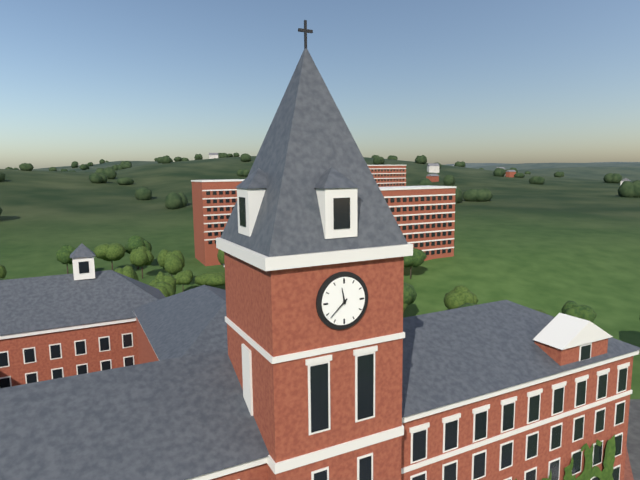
h=11 m=38
